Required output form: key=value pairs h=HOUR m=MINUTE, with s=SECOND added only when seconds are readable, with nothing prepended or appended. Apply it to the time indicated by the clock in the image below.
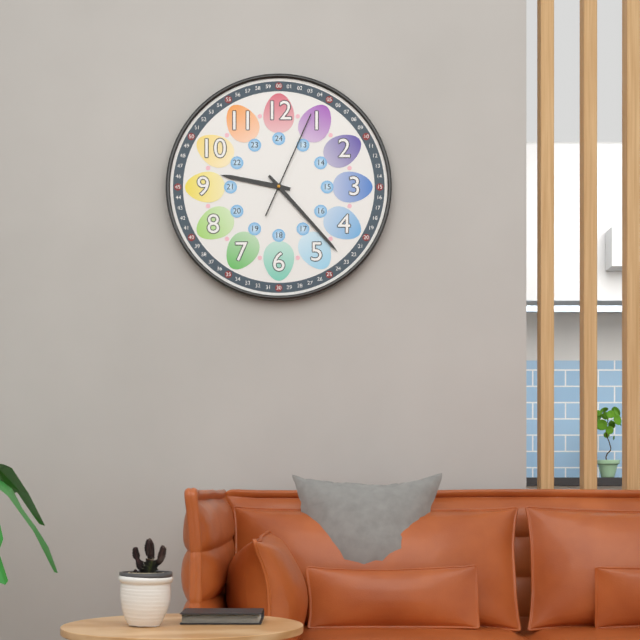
h=9 m=23 s=4
